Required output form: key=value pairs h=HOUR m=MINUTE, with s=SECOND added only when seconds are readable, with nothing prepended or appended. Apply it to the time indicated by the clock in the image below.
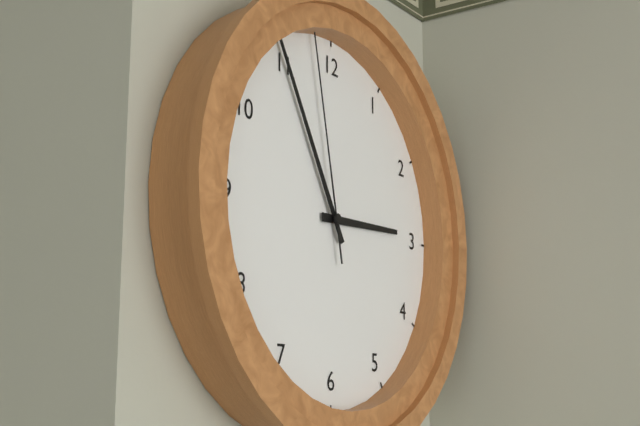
h=2 m=55 s=58
